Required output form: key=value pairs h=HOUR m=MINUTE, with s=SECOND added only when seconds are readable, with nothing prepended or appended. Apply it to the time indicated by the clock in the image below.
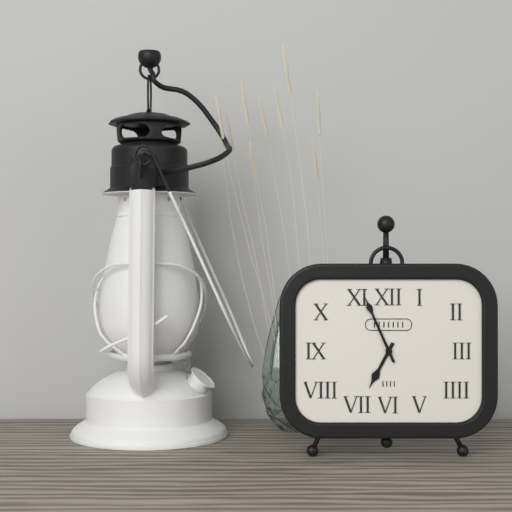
h=6 m=56
